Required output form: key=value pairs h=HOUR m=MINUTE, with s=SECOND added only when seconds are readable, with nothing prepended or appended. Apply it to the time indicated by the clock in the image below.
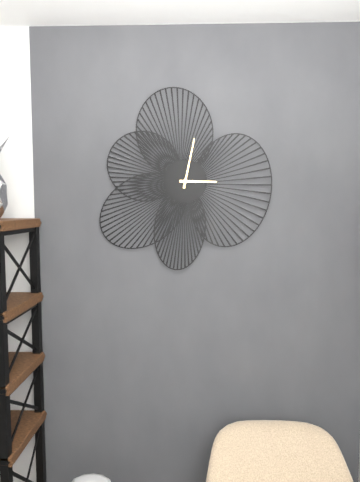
h=3 m=2
